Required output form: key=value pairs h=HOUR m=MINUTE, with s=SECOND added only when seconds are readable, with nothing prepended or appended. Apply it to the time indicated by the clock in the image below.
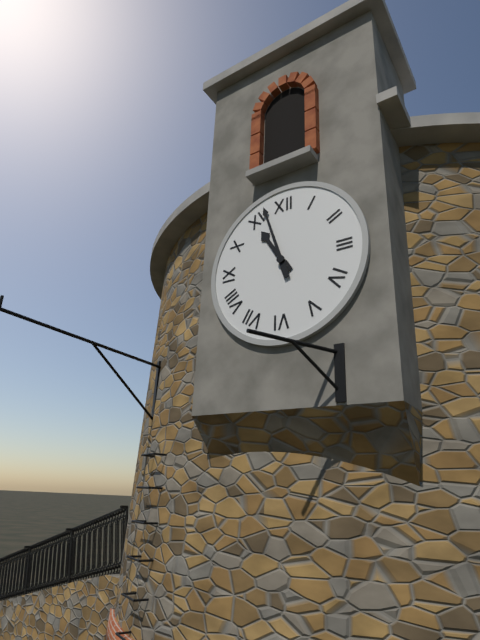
h=10 m=57
